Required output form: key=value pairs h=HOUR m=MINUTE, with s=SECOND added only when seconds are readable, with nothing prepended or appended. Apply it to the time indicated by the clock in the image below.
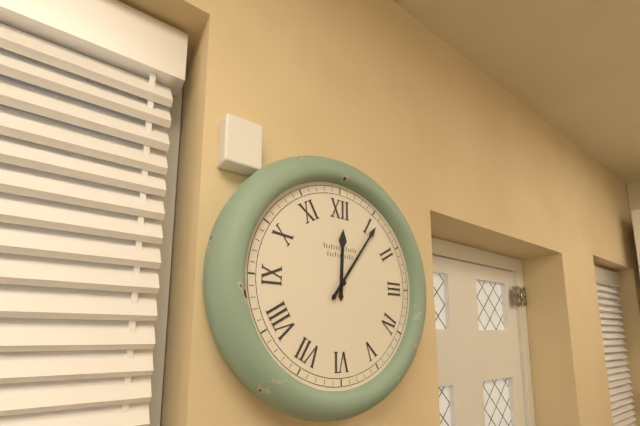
h=12 m=6
